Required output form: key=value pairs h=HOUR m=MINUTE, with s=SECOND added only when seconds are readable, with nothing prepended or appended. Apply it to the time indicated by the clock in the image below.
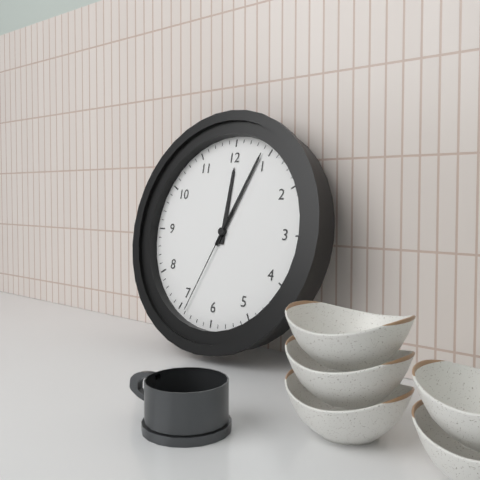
h=12 m=4 s=34
